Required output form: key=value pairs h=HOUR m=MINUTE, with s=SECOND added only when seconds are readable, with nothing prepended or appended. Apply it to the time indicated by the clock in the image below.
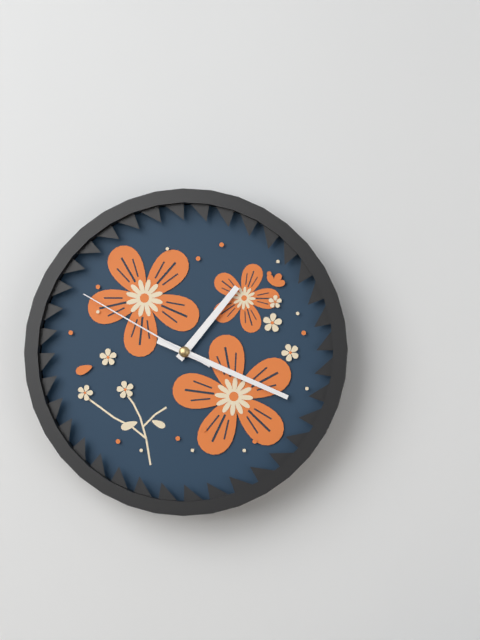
h=1 m=19 s=50
